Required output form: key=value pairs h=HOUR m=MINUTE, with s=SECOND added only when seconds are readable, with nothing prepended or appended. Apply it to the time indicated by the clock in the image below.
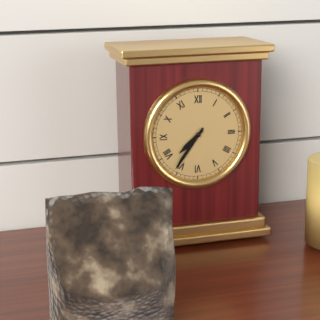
h=7 m=36
